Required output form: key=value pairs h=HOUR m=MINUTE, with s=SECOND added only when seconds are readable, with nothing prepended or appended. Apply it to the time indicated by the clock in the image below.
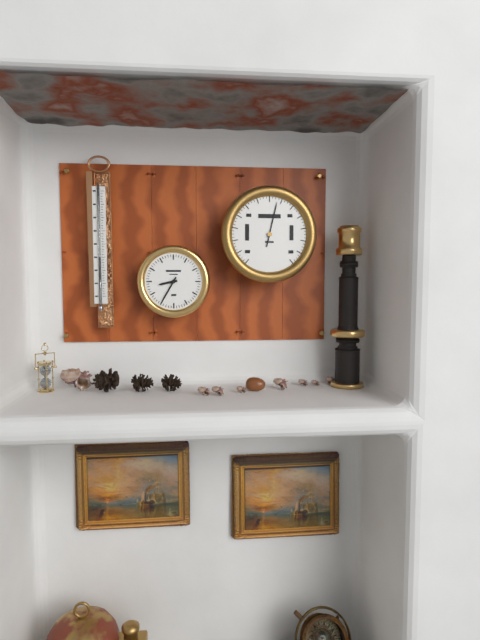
h=8 m=35
